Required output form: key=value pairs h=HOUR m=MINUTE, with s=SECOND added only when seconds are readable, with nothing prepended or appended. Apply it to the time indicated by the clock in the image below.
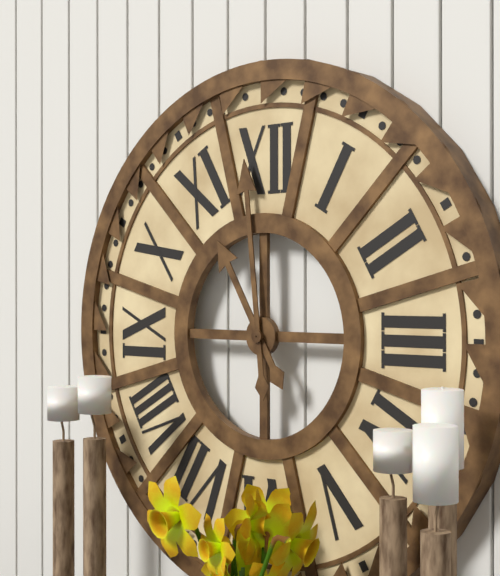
h=10 m=59
